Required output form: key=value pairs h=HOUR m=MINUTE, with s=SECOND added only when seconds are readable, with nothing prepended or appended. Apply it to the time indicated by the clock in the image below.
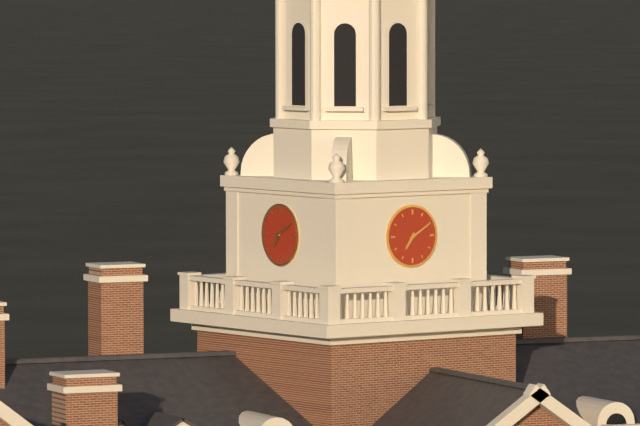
h=7 m=10
